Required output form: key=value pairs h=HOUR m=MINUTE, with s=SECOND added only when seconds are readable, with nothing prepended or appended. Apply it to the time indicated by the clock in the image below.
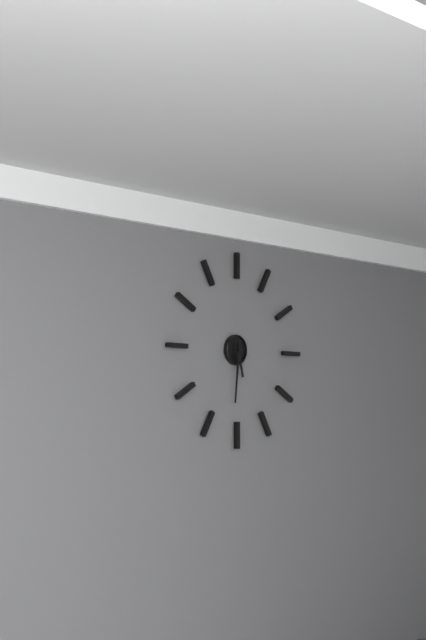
h=5 m=31
